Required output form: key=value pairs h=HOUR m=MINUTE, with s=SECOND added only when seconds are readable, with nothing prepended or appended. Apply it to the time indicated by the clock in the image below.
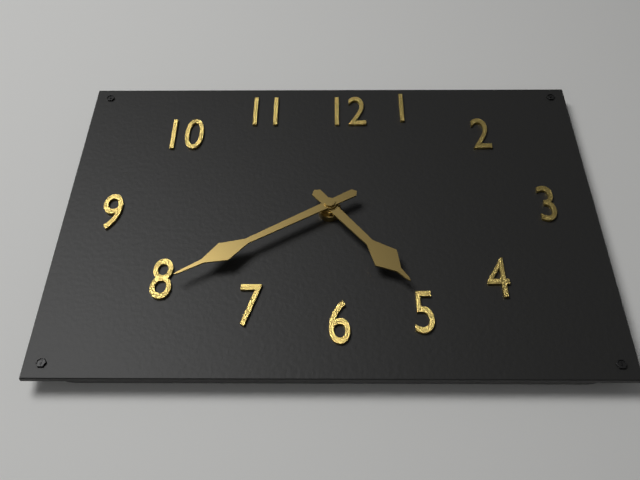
h=4 m=40
